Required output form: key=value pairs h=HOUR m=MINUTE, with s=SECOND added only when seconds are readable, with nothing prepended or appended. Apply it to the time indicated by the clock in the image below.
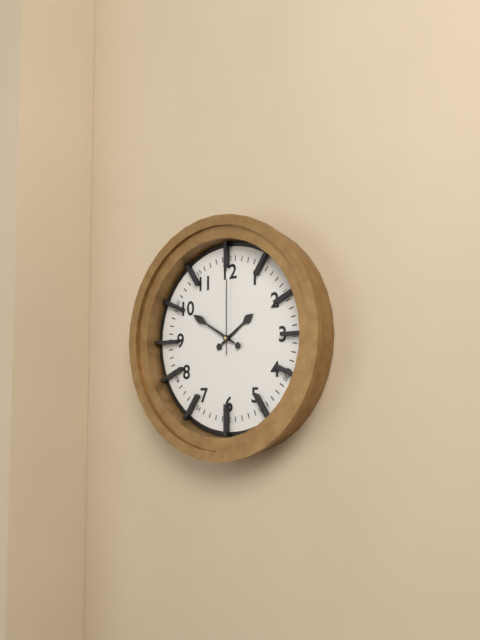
h=1 m=50 s=0
